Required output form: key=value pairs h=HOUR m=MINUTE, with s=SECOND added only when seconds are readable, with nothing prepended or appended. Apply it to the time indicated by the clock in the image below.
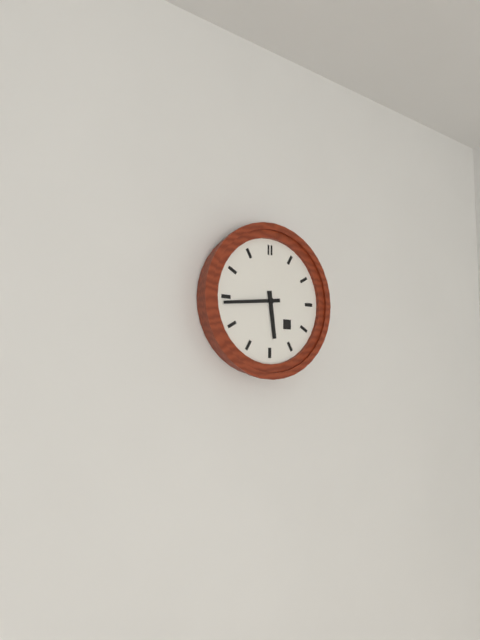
h=5 m=44
